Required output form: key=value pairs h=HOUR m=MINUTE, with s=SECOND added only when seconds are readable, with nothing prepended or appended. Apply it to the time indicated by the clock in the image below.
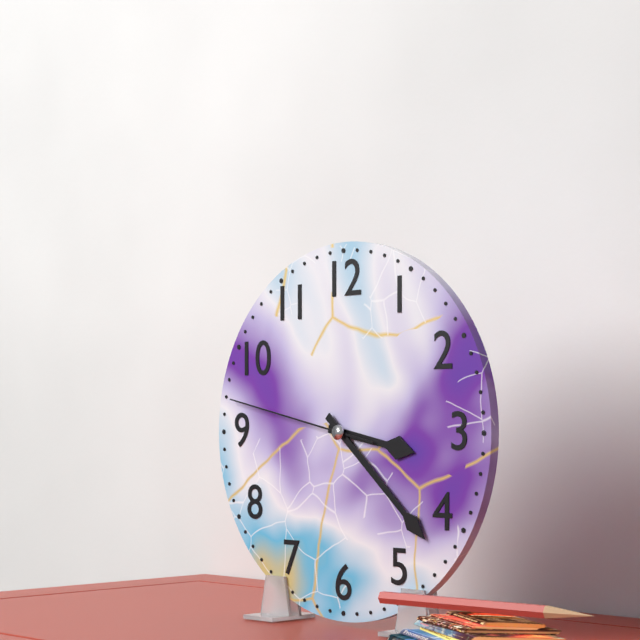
h=3 m=22 s=47
